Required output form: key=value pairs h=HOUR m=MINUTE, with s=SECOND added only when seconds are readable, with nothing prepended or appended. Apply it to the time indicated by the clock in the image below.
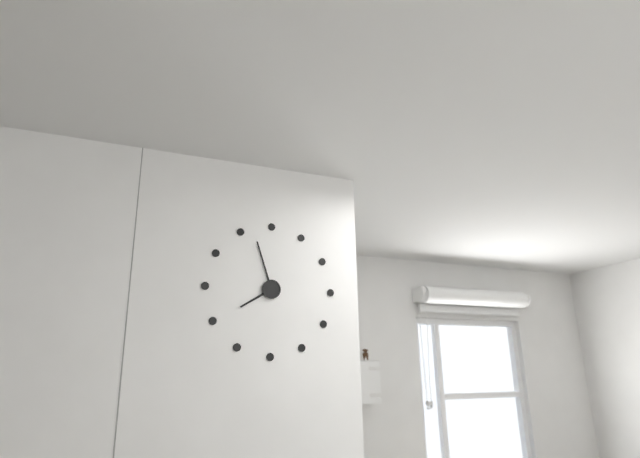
h=7 m=57
